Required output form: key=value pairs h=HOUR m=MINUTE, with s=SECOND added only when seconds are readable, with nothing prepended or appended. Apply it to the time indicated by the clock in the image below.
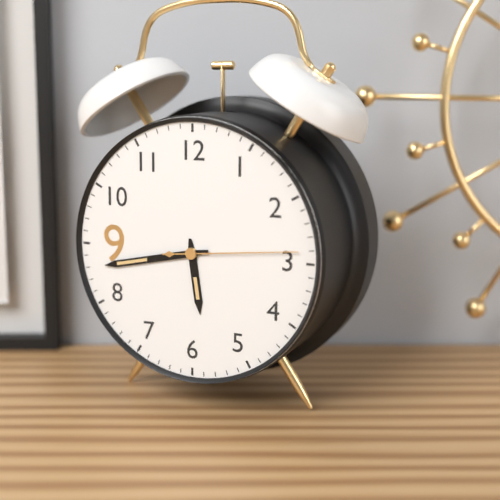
h=5 m=43 s=14
